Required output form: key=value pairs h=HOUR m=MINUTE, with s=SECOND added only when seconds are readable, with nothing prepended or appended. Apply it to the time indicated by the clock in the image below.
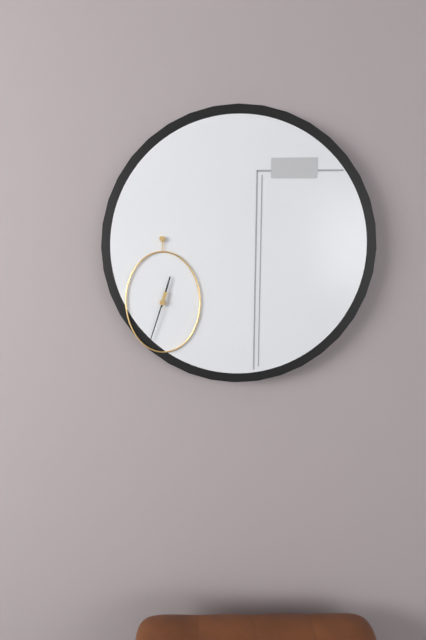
h=12 m=33
